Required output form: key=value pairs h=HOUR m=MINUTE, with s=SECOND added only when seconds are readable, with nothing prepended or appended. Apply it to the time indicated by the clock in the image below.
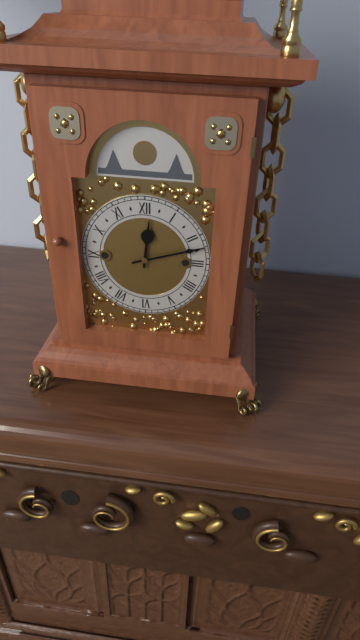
h=12 m=12
